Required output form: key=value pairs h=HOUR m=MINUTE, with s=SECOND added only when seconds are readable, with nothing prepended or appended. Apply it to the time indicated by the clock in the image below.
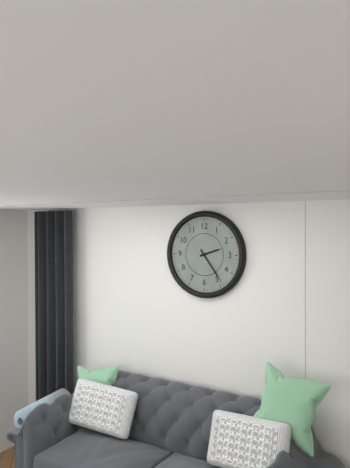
h=2 m=24
